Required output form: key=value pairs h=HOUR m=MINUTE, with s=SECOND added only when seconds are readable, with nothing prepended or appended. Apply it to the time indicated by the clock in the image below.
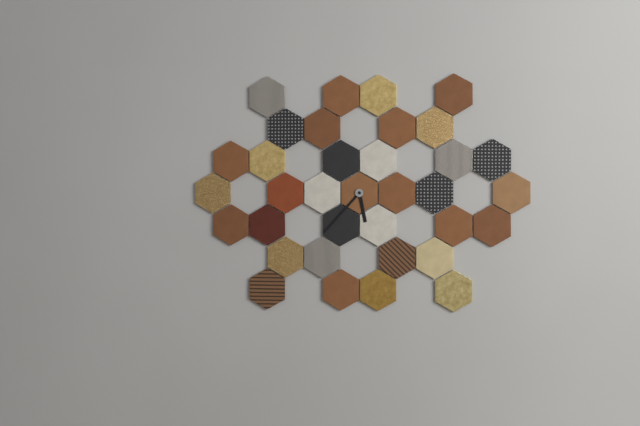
h=5 m=37
